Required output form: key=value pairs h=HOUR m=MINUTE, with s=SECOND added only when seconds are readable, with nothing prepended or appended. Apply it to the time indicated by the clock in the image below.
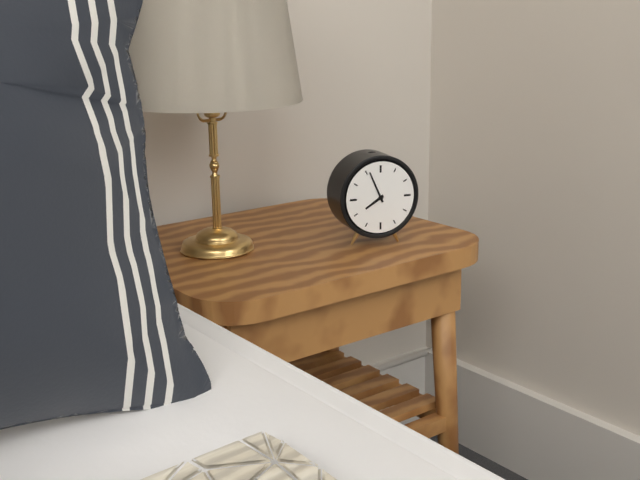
h=7 m=56
